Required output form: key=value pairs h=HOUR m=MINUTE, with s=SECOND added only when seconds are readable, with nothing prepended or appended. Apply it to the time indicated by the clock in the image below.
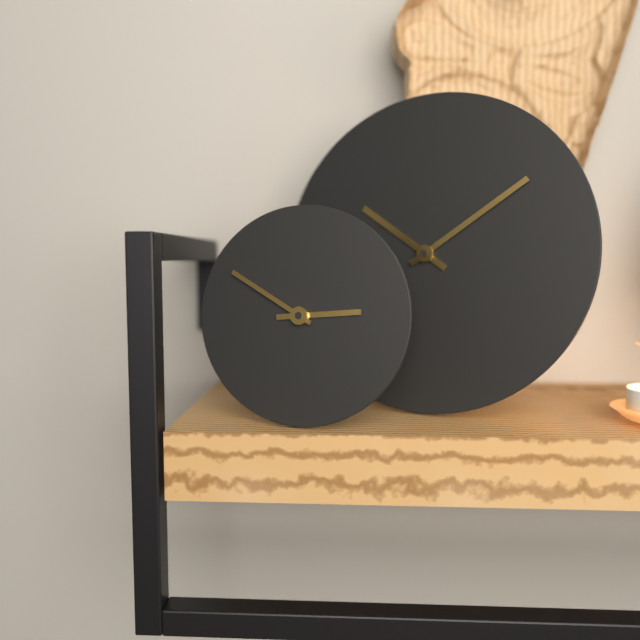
h=2 m=50
